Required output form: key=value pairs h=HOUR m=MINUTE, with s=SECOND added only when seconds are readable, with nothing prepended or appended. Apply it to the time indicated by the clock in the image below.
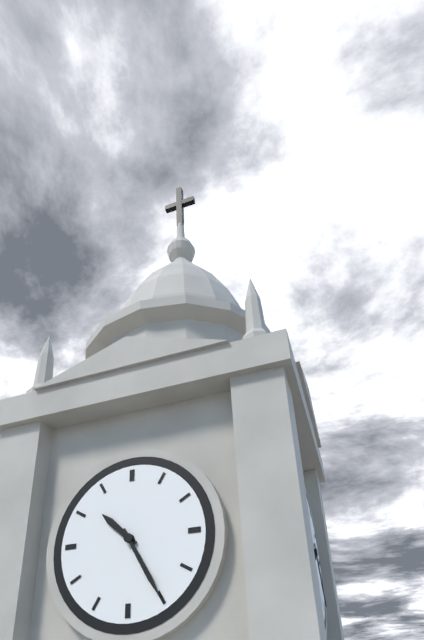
h=10 m=25
